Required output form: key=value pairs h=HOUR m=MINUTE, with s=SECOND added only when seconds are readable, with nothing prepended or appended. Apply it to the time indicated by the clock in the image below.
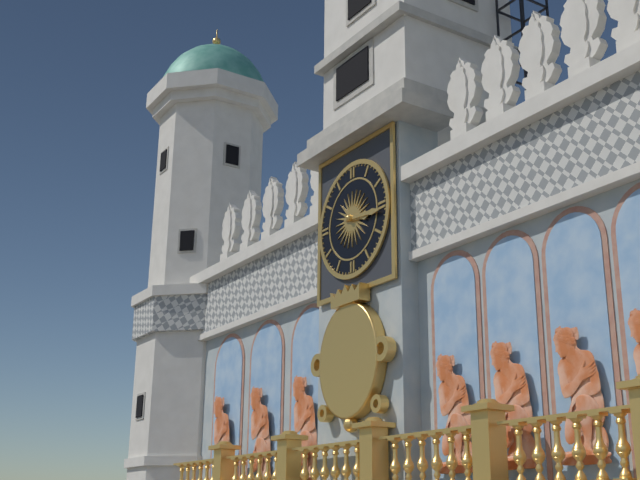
h=3 m=16
